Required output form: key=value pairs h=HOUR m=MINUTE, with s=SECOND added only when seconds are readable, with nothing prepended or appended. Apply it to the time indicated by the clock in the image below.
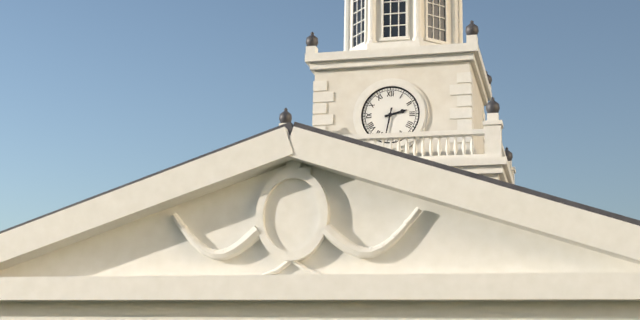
h=2 m=32
